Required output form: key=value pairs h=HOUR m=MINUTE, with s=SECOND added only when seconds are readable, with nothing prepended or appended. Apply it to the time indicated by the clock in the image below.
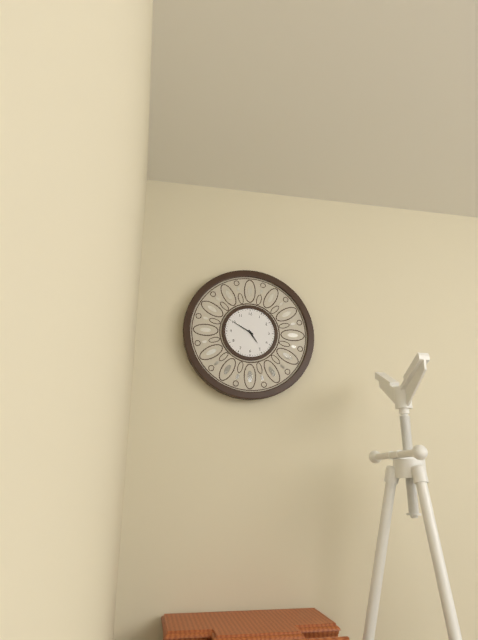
h=4 m=50
